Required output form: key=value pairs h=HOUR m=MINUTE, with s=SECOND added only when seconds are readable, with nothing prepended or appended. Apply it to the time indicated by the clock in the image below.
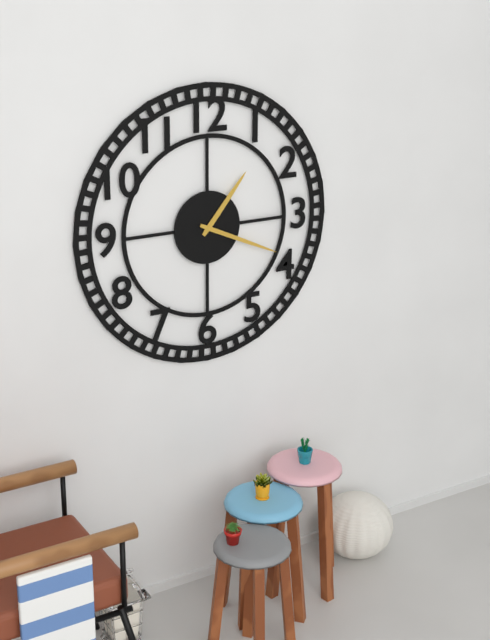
h=1 m=19
